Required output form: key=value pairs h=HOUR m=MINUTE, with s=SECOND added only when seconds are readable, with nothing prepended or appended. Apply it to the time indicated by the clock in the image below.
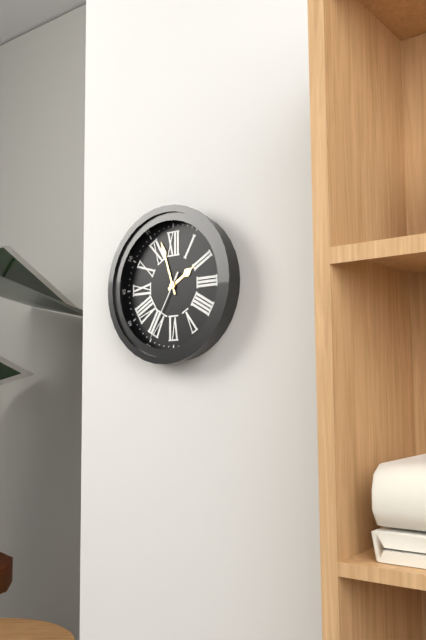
h=1 m=57 s=35
